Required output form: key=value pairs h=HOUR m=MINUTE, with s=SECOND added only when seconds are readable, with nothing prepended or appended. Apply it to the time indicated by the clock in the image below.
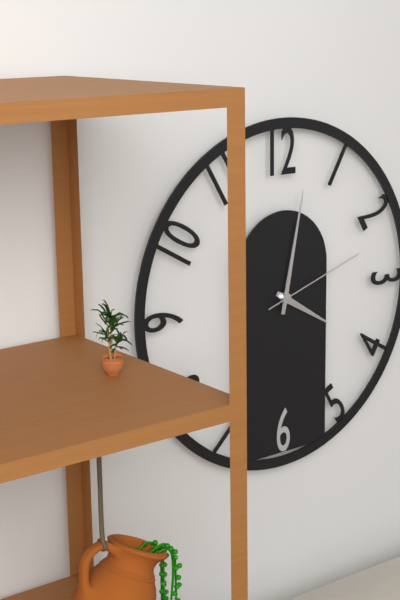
h=4 m=2 s=12
